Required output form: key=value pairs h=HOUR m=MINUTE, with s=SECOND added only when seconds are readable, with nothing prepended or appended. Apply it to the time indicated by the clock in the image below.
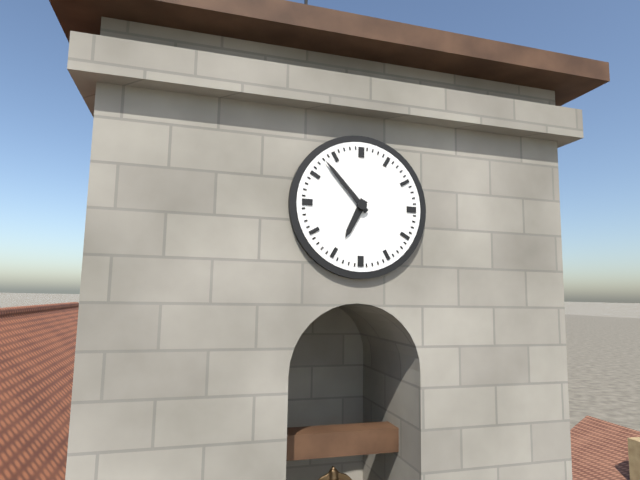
h=6 m=53
